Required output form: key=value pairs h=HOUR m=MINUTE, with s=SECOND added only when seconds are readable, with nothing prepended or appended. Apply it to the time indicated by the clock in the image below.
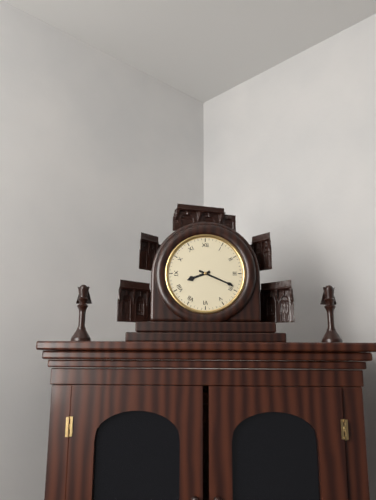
h=8 m=19
